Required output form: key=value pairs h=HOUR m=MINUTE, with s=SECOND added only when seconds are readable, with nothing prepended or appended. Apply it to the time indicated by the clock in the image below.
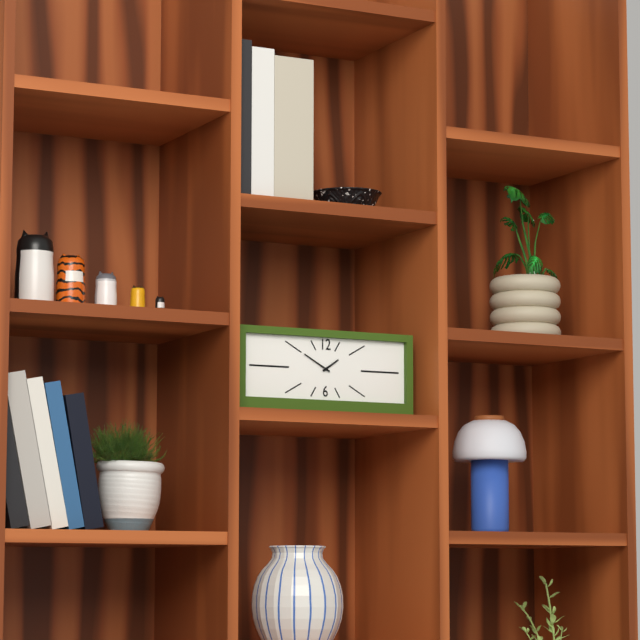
h=1 m=50
